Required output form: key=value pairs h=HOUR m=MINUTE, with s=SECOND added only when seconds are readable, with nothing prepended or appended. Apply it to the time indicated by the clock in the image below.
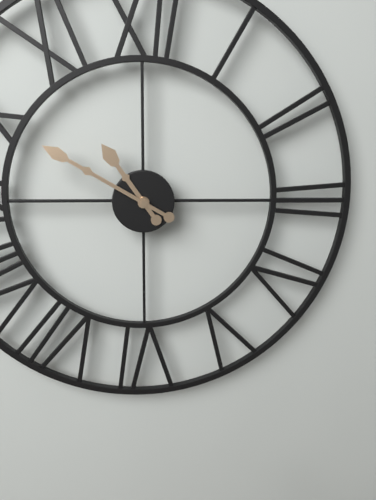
h=10 m=50
